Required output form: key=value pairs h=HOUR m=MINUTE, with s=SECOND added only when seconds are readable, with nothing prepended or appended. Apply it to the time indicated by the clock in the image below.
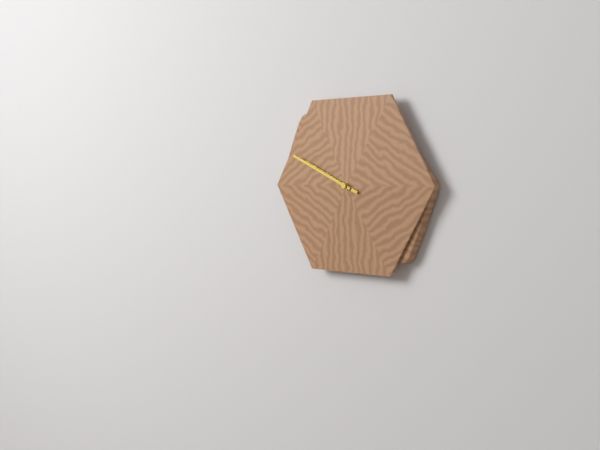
h=9 m=49
